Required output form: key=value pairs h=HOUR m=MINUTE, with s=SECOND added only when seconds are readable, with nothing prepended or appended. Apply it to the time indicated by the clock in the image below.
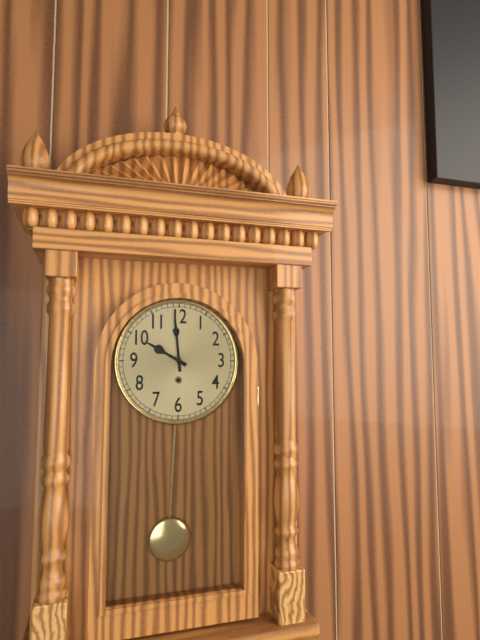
h=9 m=59
